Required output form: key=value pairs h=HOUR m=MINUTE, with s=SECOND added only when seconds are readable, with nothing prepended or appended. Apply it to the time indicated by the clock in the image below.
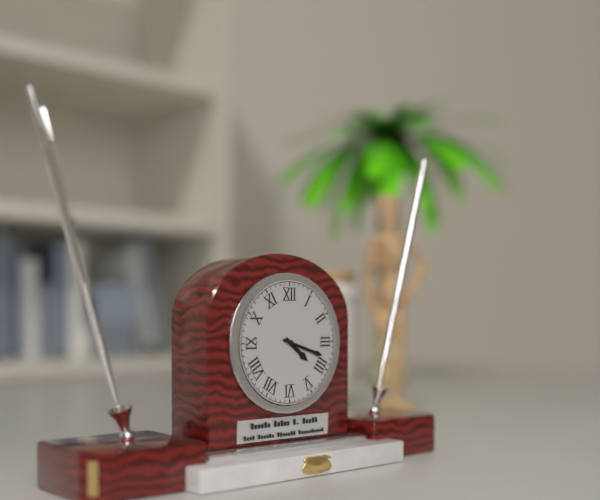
h=4 m=18
